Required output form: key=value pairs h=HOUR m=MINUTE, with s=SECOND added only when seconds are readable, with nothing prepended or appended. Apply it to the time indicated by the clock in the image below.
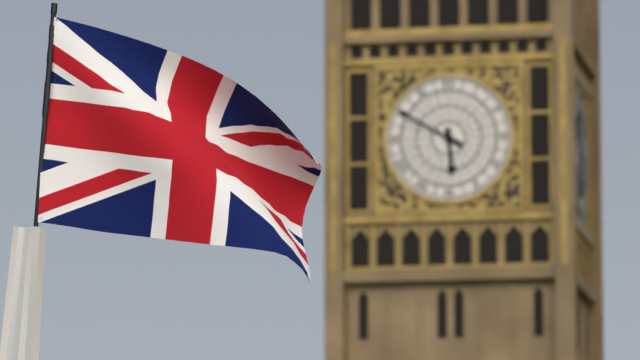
h=5 m=50
